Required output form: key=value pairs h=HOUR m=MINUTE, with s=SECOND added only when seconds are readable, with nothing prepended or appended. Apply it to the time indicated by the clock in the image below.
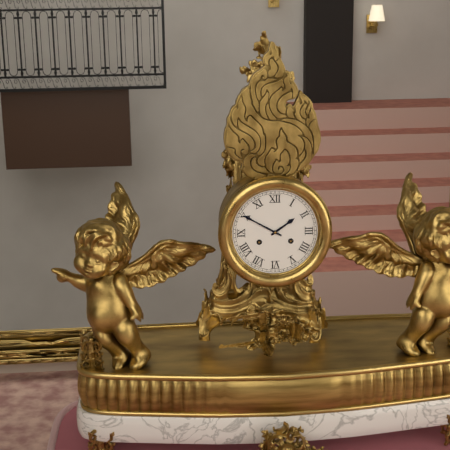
h=1 m=50
